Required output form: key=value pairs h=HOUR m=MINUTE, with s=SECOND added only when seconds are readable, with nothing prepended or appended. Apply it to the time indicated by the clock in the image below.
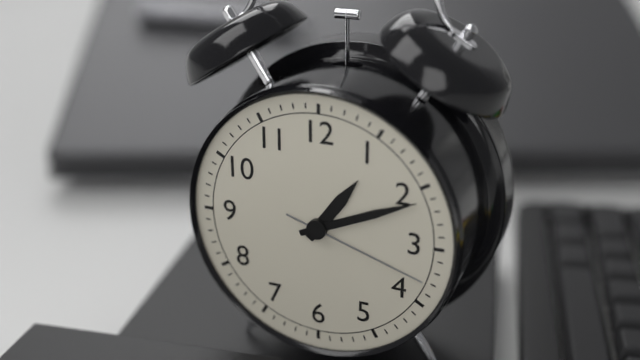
h=1 m=11 s=18
